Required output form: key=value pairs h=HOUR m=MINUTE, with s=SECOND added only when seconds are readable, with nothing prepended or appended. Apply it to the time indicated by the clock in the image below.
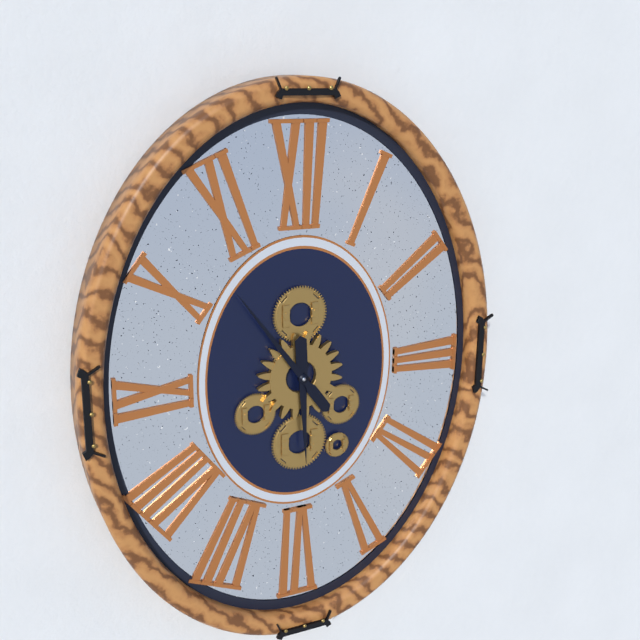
h=5 m=54
